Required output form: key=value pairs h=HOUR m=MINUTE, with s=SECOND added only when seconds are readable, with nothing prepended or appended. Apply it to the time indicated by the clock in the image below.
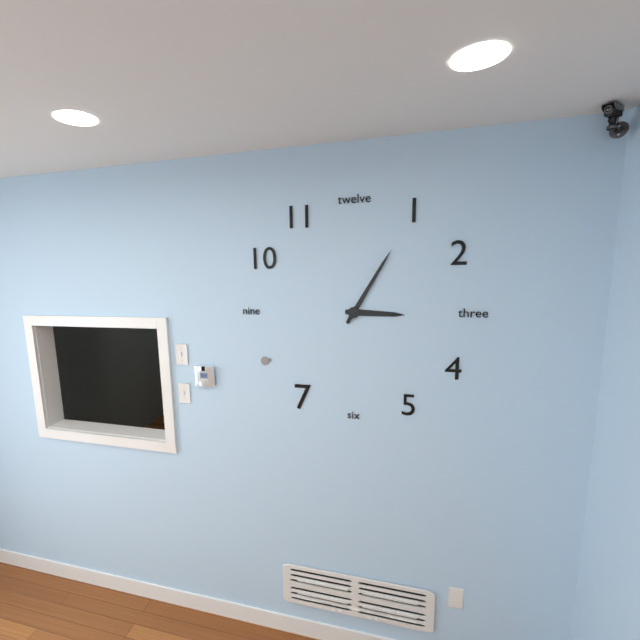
h=3 m=5
